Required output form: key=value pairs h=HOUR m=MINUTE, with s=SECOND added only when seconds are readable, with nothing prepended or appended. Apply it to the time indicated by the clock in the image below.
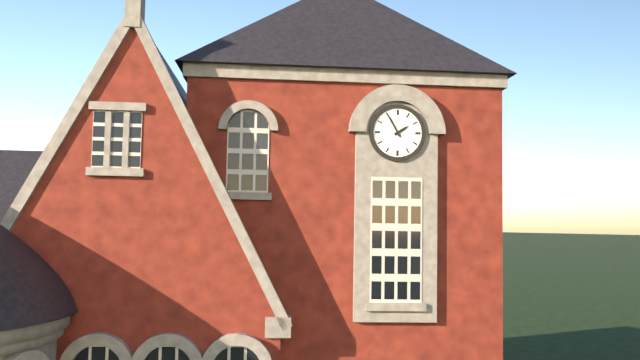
h=1 m=55
